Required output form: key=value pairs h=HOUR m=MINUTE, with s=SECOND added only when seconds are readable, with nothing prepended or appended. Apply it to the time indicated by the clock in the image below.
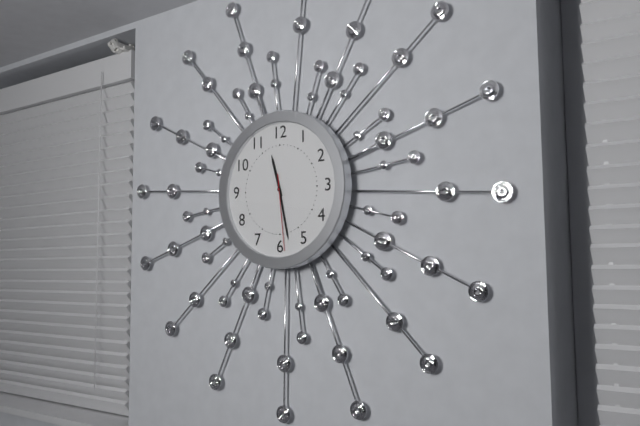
h=11 m=28 s=29
